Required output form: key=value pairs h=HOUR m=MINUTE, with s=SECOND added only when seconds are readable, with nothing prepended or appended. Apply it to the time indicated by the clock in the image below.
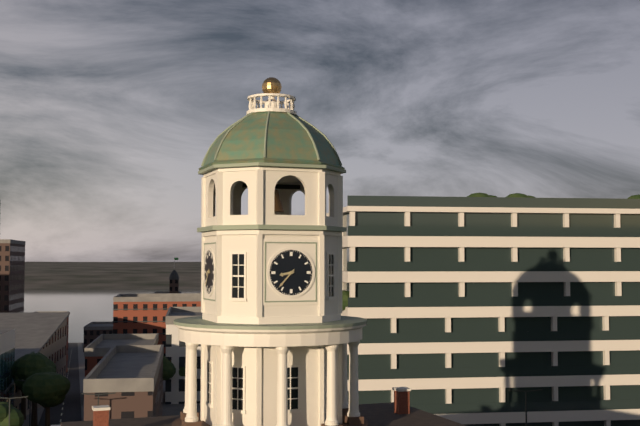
h=8 m=37
